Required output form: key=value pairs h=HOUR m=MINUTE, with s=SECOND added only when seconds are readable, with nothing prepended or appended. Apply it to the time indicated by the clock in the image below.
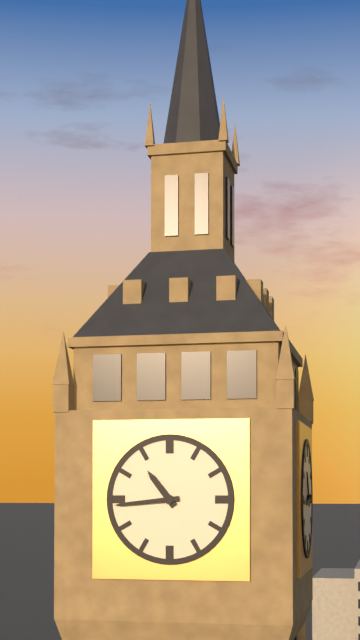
h=10 m=44
